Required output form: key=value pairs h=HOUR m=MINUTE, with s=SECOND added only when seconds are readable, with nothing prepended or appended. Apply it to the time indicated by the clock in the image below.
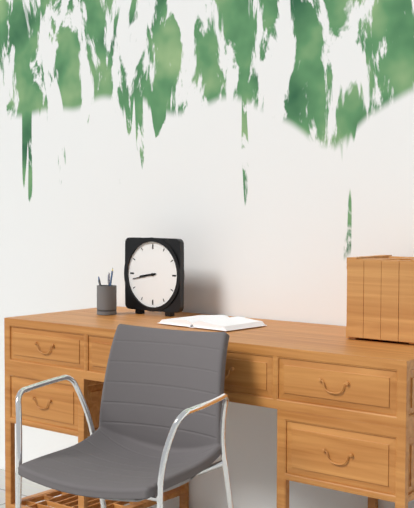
h=8 m=43
